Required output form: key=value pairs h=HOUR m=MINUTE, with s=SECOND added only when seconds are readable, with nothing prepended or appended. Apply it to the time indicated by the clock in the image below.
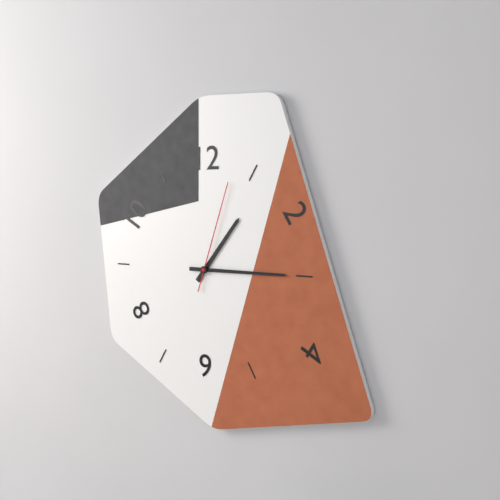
h=1 m=15 s=3
